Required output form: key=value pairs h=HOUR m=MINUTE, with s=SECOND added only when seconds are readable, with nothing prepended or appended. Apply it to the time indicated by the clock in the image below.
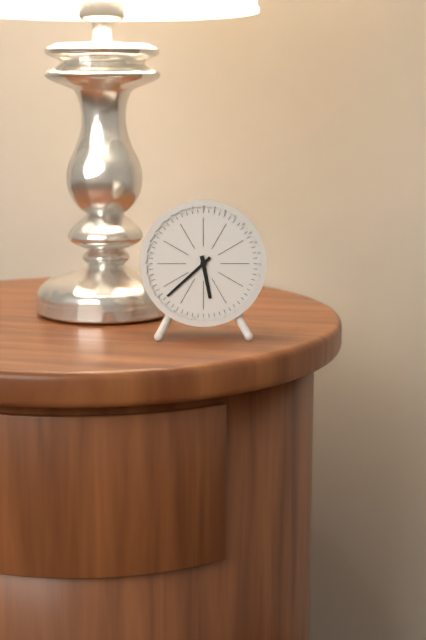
h=5 m=38
